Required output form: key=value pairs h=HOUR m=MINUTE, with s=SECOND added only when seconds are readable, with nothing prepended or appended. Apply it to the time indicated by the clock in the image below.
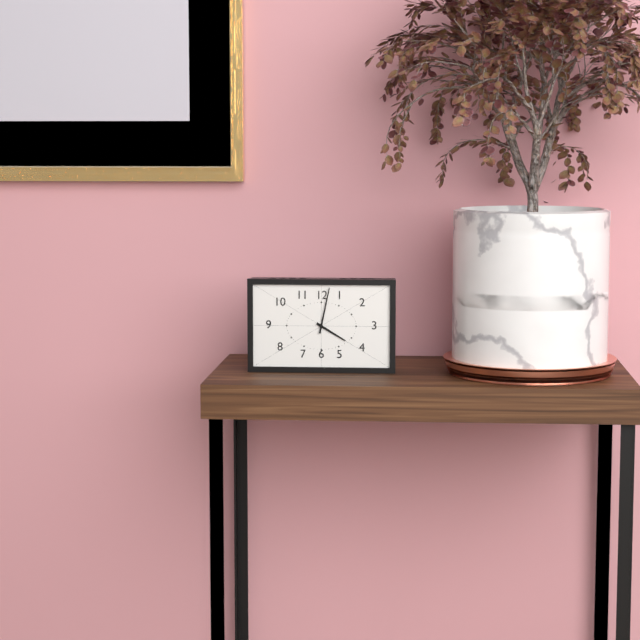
h=4 m=2
